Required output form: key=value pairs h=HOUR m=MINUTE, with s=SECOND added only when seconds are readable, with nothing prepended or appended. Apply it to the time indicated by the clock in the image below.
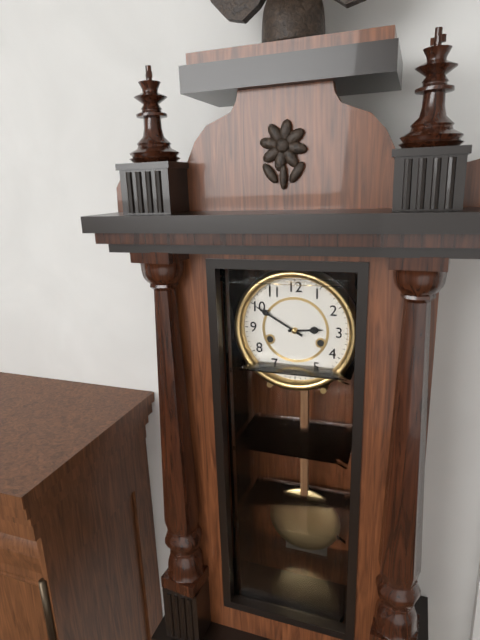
h=2 m=50
